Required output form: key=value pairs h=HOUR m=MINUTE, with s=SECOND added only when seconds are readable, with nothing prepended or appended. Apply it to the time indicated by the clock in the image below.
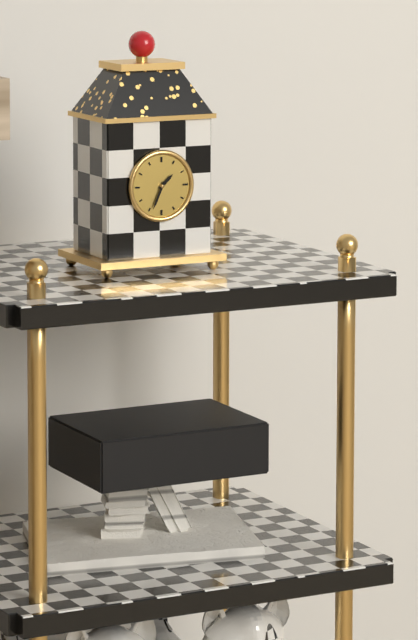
h=1 m=34
